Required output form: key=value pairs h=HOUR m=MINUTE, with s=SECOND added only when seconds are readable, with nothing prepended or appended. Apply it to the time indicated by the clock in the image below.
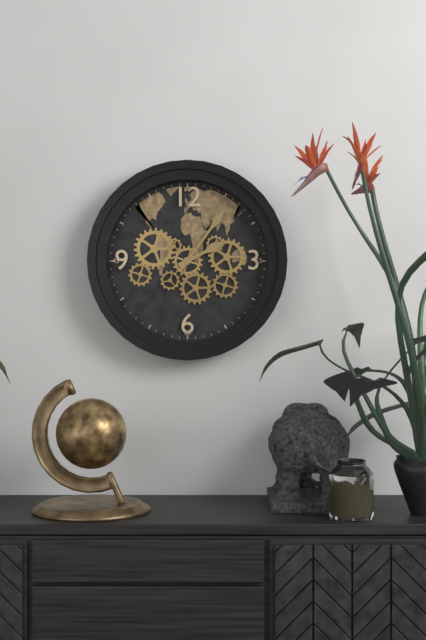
h=2 m=6
